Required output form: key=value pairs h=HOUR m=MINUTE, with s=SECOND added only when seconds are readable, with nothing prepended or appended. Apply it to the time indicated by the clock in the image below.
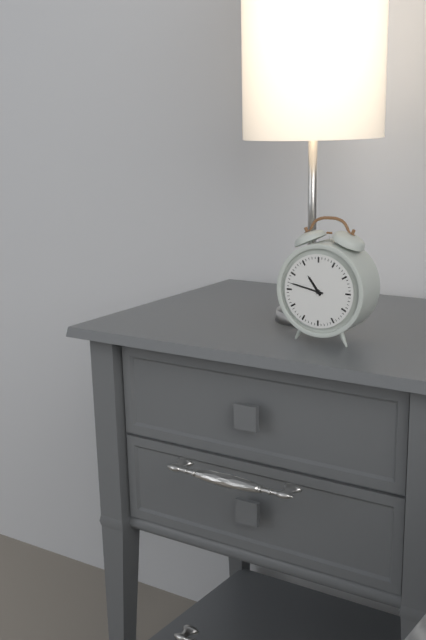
h=10 m=47
